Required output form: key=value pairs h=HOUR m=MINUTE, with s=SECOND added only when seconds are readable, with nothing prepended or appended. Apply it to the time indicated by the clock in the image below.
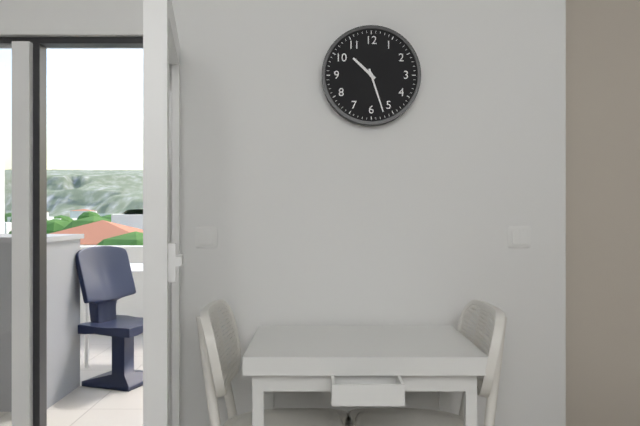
h=10 m=27
